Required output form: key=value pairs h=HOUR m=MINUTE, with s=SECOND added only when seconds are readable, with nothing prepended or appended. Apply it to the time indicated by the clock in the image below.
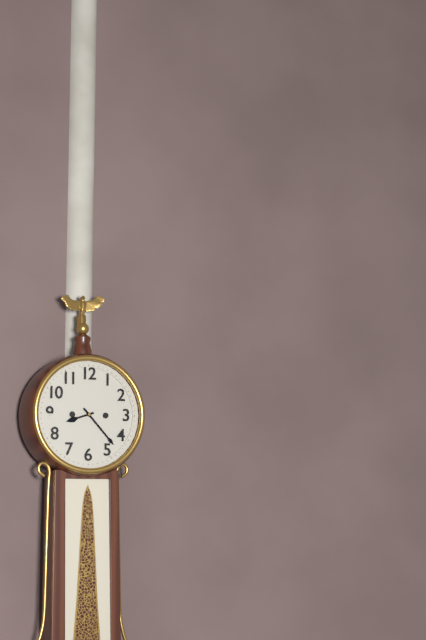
h=8 m=23
